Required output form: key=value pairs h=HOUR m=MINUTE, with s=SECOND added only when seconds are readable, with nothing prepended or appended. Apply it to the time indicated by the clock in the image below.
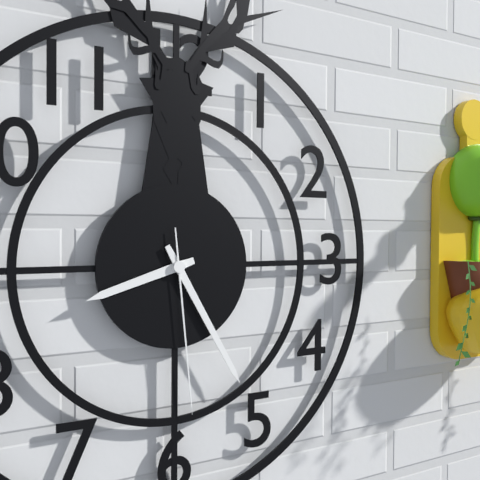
h=8 m=25 s=29
